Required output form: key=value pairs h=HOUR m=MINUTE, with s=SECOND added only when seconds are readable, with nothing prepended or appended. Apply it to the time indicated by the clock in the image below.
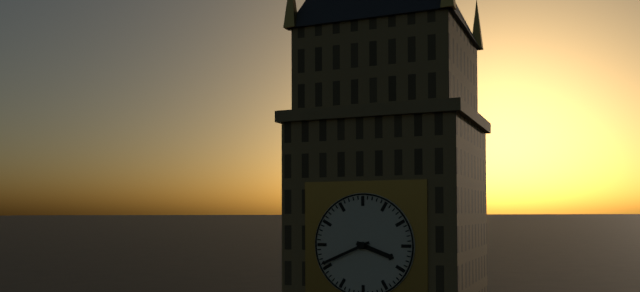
h=3 m=41
